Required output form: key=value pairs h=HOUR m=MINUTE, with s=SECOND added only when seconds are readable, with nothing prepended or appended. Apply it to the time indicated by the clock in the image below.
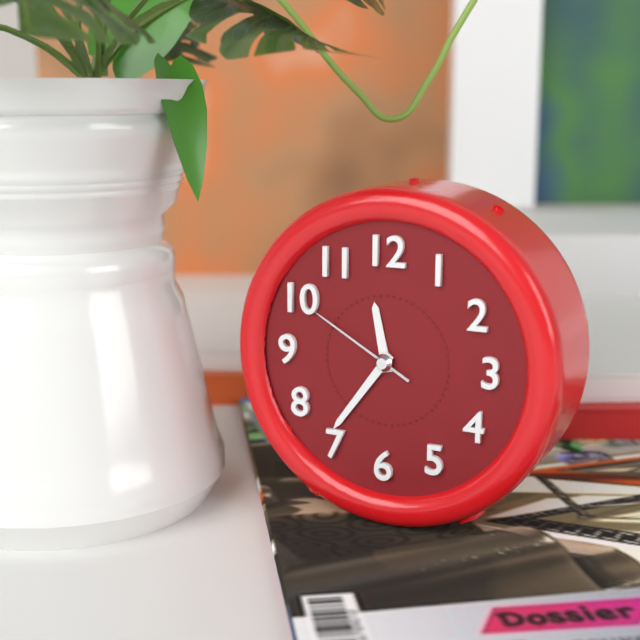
h=11 m=36 s=50
